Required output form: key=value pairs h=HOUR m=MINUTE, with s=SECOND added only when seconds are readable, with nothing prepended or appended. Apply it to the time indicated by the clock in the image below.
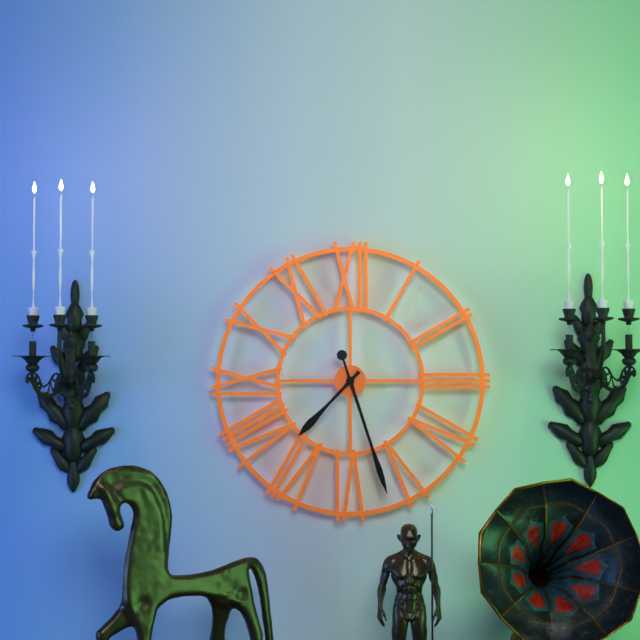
h=7 m=27
